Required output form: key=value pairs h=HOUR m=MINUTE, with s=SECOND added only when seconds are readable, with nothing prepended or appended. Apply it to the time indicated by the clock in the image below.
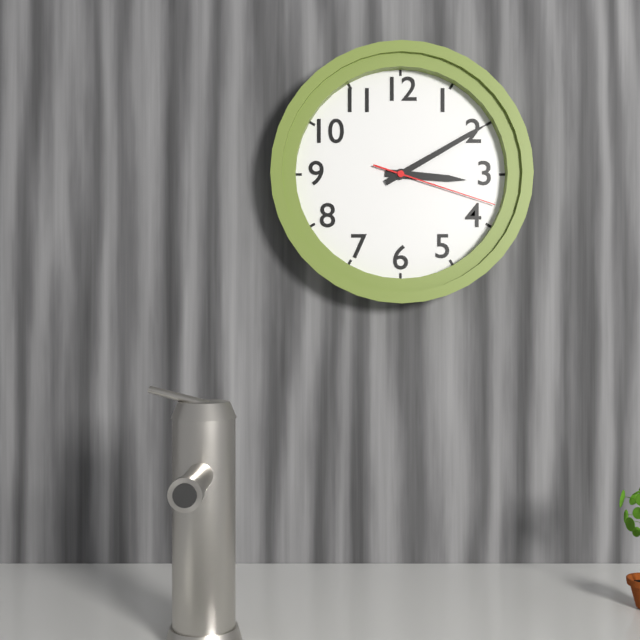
h=3 m=10 s=18
